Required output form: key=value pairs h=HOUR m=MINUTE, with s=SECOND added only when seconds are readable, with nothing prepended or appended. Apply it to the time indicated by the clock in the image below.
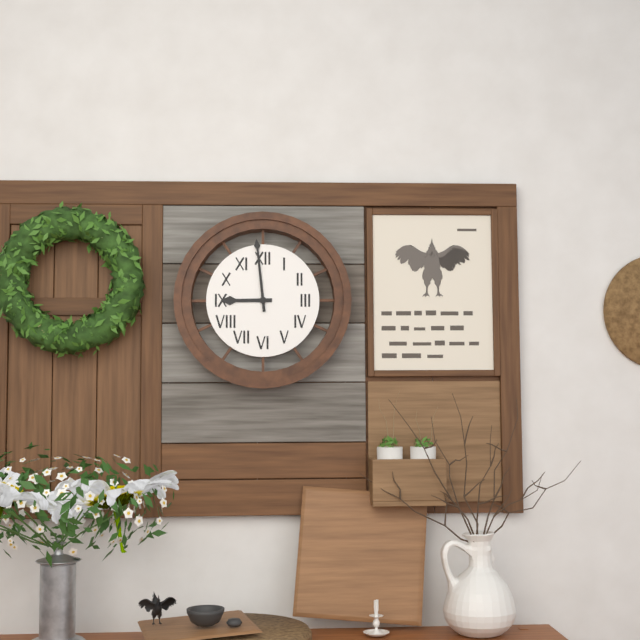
h=8 m=59
